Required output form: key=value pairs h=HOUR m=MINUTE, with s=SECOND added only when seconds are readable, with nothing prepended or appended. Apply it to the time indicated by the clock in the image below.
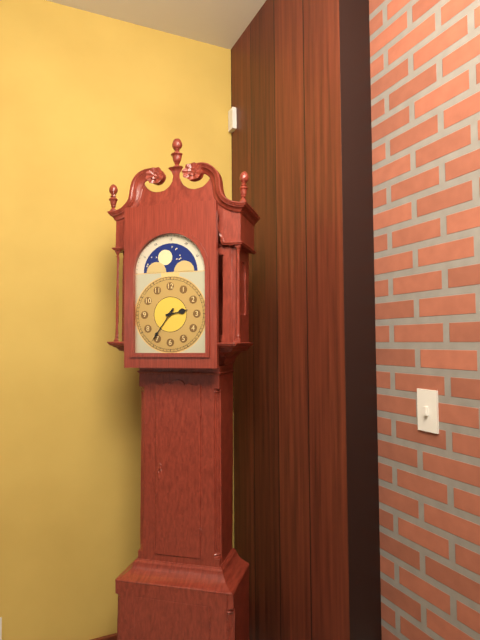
h=2 m=36
